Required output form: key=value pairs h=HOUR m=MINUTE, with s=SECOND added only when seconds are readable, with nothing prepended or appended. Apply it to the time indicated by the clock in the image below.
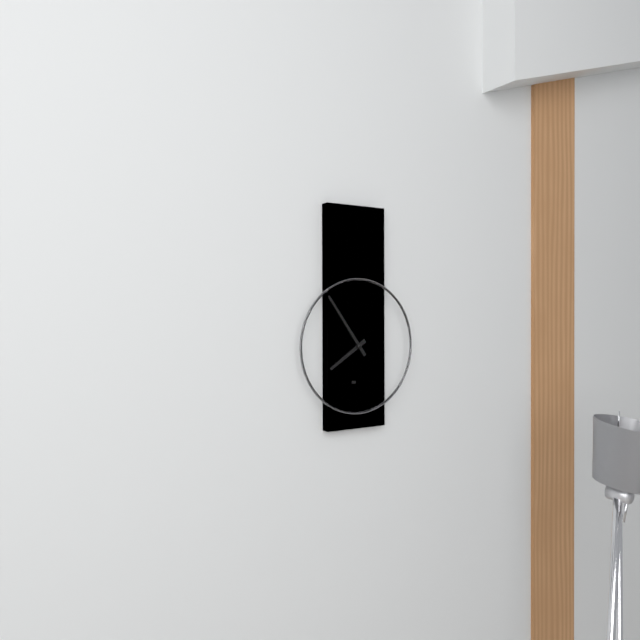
h=7 m=54
